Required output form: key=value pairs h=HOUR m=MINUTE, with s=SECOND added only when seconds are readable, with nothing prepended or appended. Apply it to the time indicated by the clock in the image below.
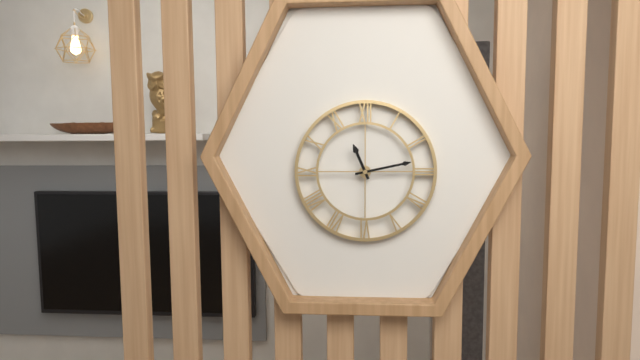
h=11 m=13
